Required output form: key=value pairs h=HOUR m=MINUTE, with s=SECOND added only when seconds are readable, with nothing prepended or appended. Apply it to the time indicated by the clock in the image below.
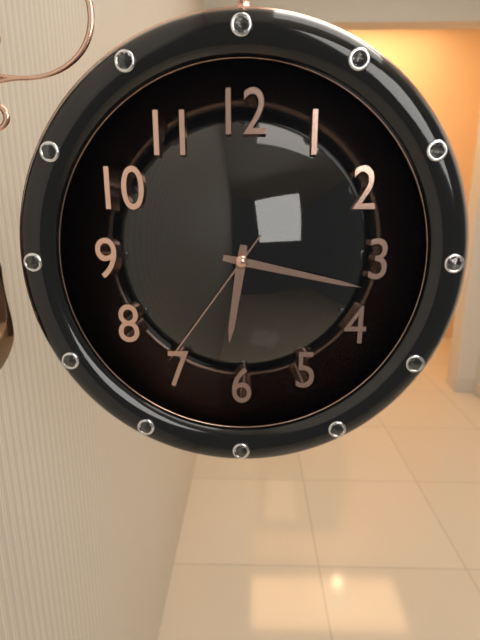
h=6 m=17 s=36
